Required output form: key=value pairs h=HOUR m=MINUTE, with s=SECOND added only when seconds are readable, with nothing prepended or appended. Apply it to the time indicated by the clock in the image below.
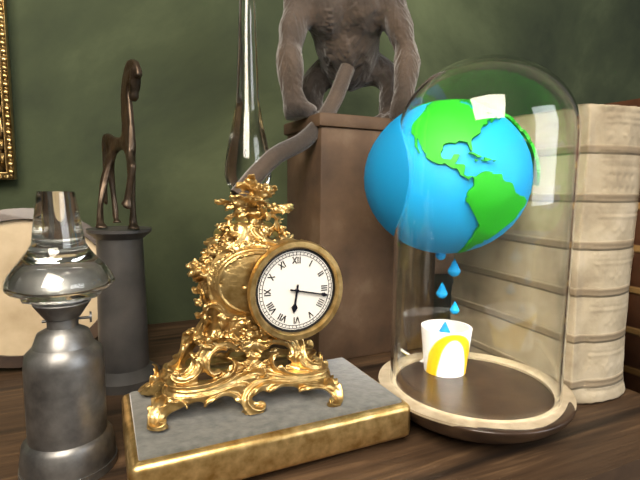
h=6 m=17
